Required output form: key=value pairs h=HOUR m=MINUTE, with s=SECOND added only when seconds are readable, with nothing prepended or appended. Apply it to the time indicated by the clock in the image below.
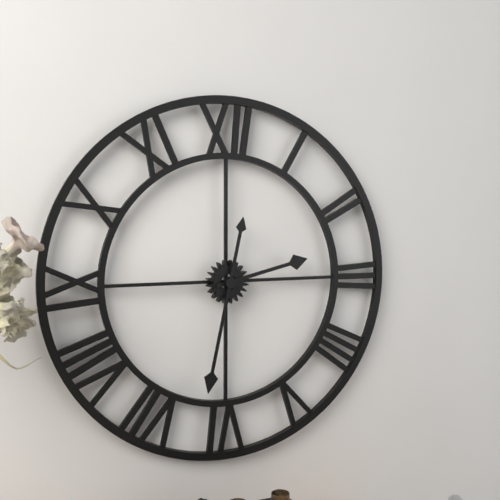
h=2 m=32
